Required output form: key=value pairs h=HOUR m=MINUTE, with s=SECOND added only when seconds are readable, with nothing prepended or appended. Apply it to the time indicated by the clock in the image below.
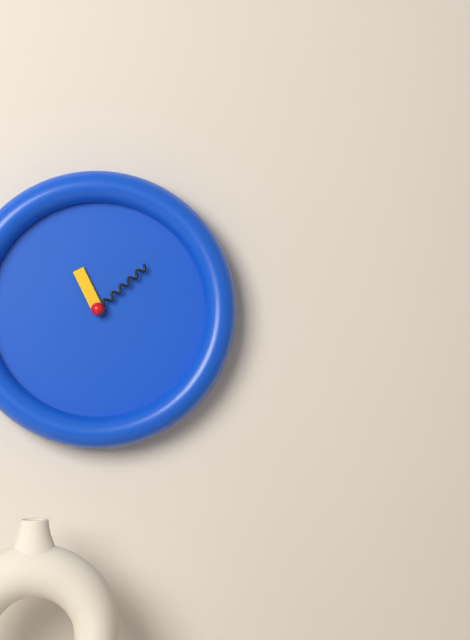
h=11 m=8
